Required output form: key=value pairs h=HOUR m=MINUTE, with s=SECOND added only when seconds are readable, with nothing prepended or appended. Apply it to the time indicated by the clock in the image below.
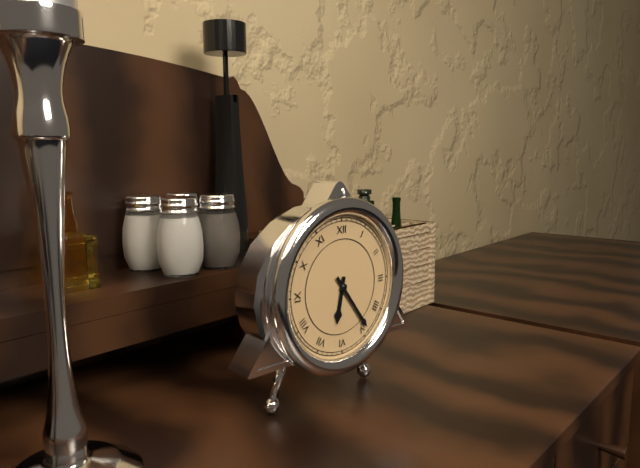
h=6 m=24
